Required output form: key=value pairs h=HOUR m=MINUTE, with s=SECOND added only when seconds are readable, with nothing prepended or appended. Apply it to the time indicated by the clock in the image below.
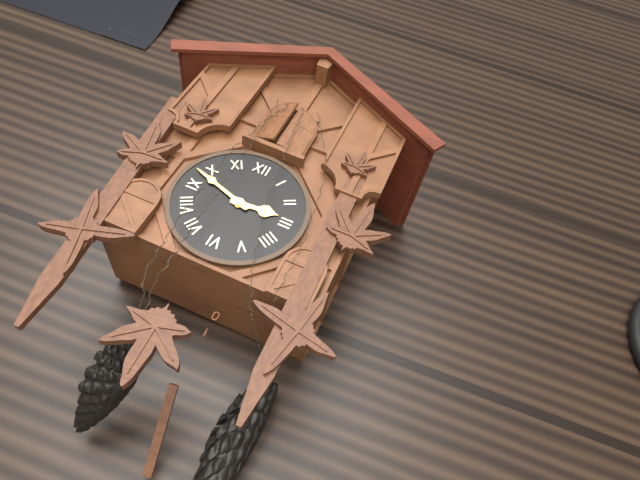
h=2 m=48
